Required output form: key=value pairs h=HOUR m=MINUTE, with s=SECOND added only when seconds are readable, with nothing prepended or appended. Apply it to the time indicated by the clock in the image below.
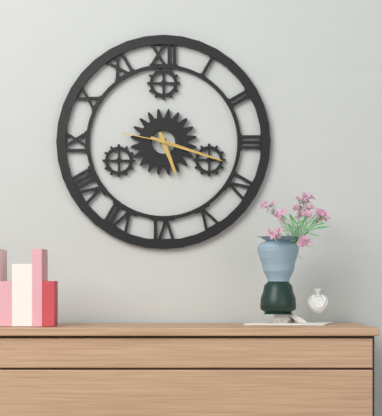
h=5 m=18 s=47
